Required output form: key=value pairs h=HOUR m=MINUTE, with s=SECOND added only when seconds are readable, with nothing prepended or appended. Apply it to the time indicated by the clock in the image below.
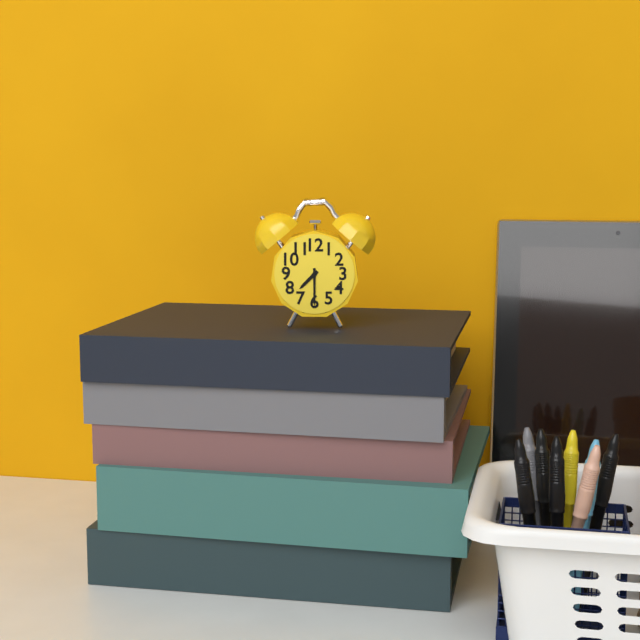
h=7 m=30
